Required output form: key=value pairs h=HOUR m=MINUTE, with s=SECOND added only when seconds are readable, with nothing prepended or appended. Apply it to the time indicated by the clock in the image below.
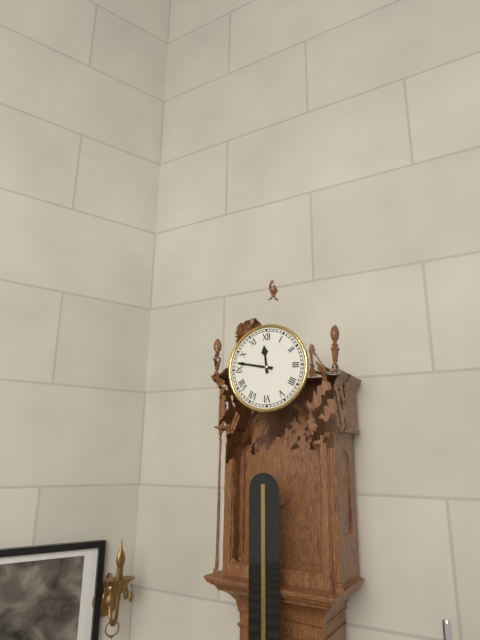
h=11 m=47
